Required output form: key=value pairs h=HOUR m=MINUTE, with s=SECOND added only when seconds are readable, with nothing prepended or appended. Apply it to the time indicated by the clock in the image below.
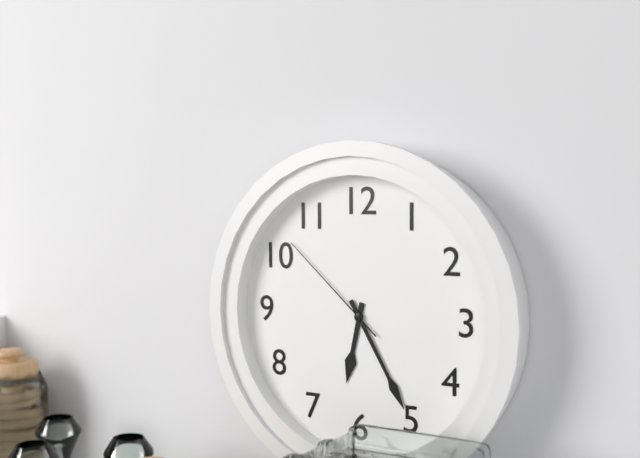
h=6 m=25 s=52
